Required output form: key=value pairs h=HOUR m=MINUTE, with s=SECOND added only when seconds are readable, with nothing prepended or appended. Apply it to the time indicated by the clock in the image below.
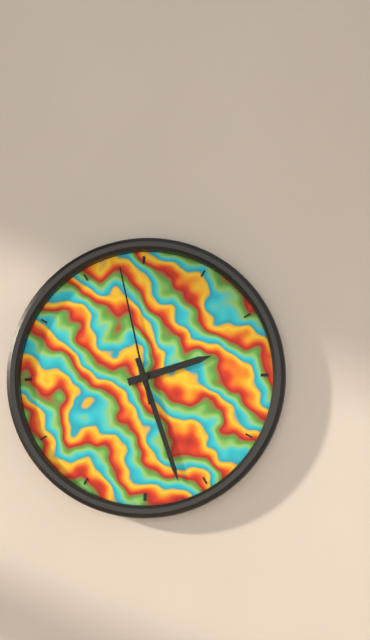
h=2 m=27 s=58
